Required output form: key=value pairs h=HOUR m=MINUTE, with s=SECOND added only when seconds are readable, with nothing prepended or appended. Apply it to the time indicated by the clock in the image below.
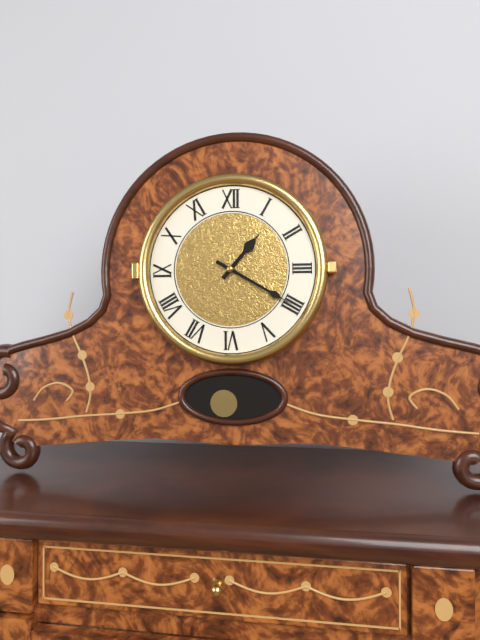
h=1 m=20
